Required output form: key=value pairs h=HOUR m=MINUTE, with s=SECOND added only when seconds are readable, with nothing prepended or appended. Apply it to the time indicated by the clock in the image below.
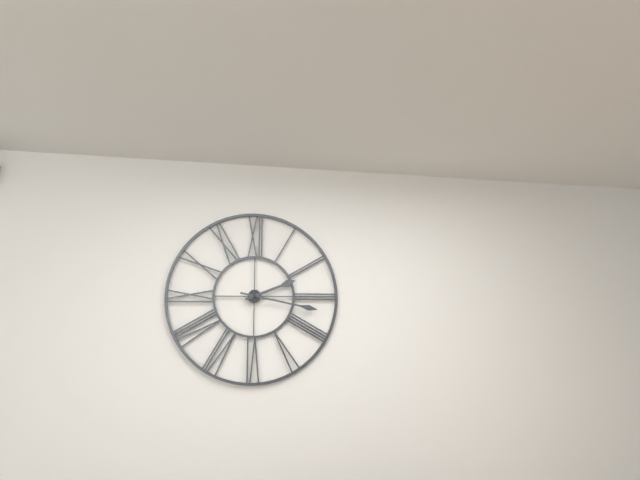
h=2 m=17
